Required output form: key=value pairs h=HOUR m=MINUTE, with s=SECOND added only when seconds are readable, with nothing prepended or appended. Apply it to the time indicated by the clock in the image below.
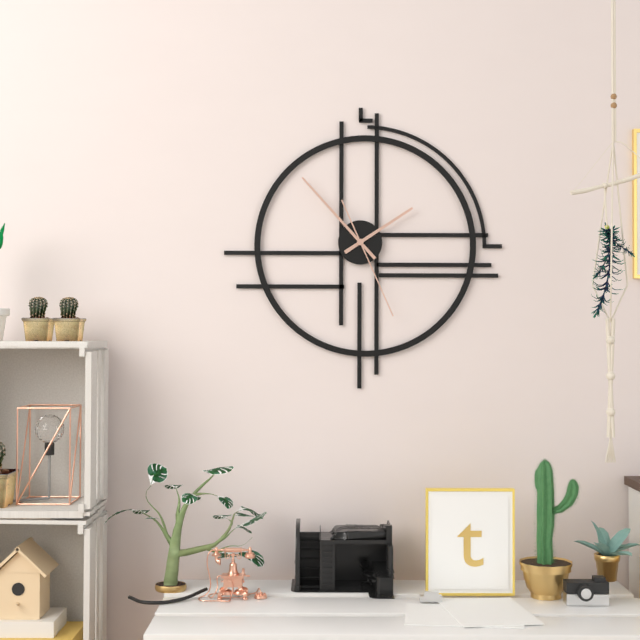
h=1 m=53 s=26
